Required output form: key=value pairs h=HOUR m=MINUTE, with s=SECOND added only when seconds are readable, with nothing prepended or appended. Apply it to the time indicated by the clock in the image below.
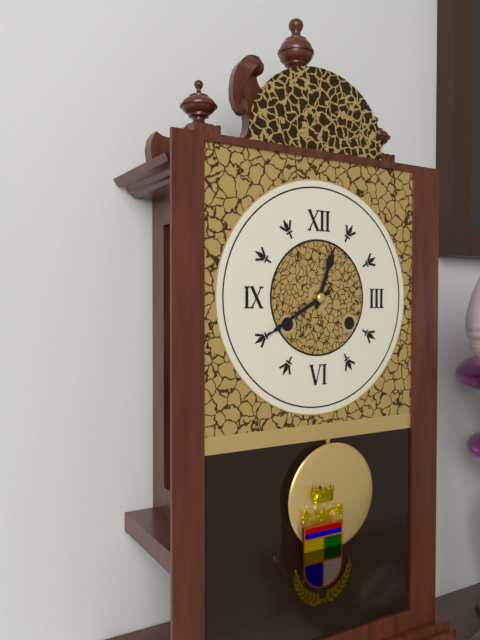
h=12 m=40
